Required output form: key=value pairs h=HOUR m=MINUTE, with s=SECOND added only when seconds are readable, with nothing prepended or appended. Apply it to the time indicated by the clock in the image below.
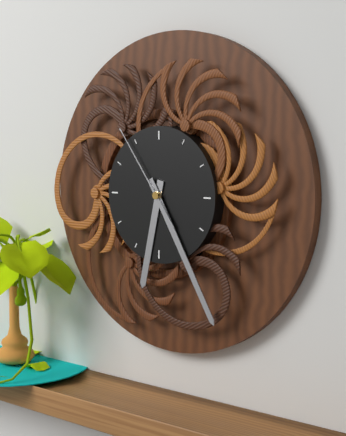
h=6 m=25 s=54
